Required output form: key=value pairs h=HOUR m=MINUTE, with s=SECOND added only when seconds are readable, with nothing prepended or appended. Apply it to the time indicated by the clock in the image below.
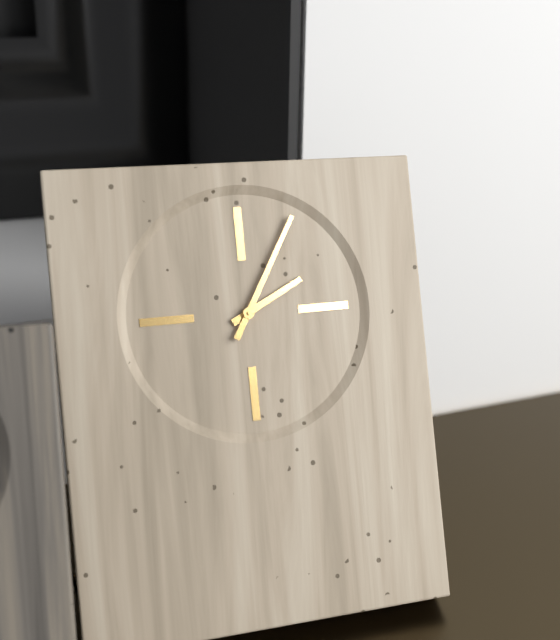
h=2 m=5
